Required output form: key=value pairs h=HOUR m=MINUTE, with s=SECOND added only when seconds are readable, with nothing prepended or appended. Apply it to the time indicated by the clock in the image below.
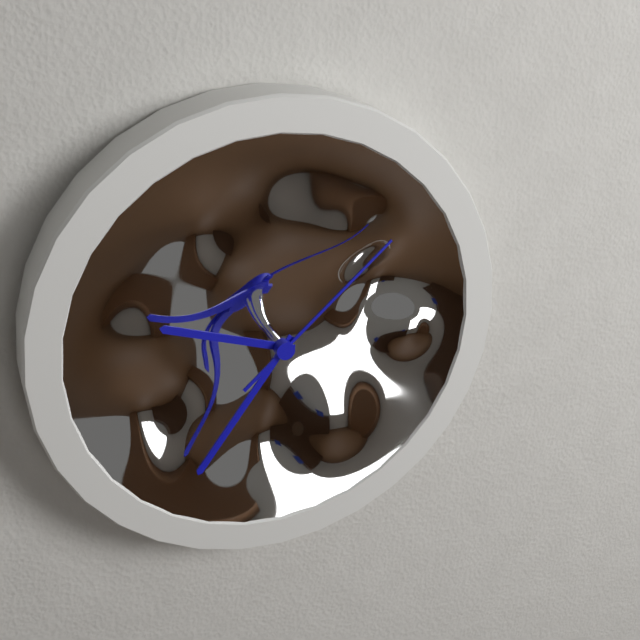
h=9 m=36 s=8
